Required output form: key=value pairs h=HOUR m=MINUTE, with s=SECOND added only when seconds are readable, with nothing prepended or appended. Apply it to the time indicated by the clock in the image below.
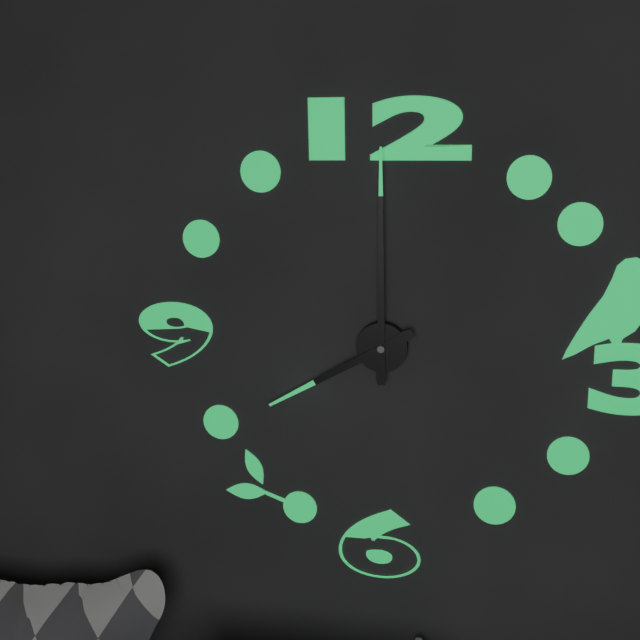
h=8 m=0
